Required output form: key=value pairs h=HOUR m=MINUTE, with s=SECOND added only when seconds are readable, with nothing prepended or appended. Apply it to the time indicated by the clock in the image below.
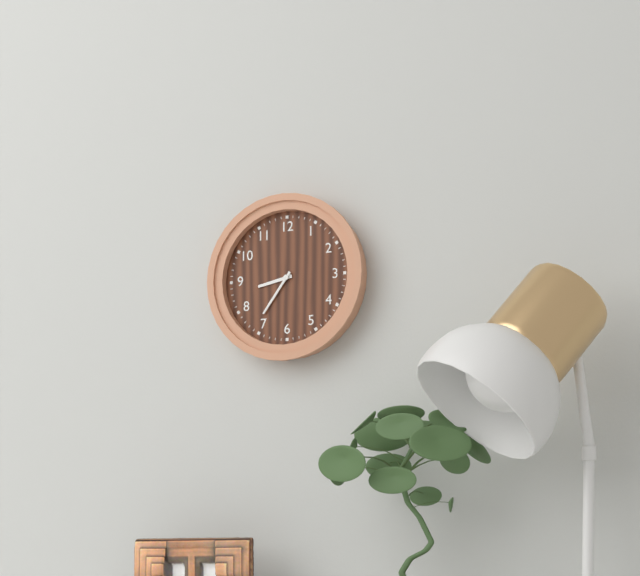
h=8 m=36
